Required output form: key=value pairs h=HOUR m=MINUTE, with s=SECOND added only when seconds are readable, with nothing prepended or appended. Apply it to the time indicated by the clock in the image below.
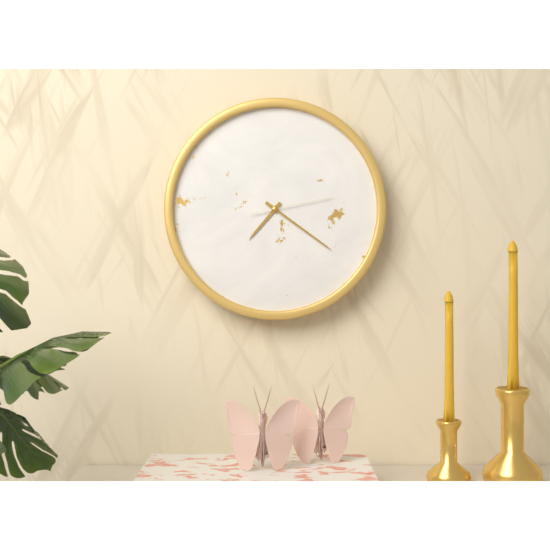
h=7 m=21 s=13
